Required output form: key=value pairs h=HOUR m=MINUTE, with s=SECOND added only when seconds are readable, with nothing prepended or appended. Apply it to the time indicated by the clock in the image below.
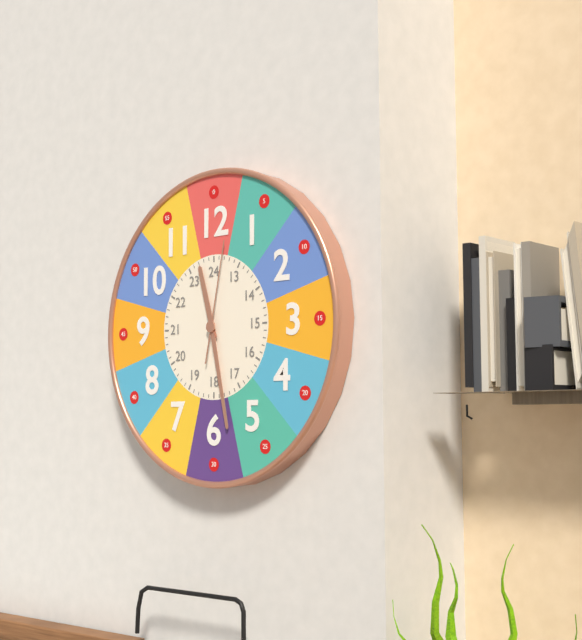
h=11 m=28 s=2
